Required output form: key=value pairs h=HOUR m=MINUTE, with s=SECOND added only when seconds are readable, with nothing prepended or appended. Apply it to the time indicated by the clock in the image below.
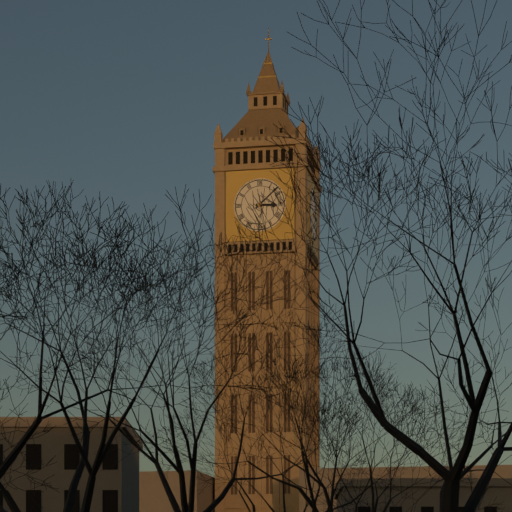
h=3 m=8
